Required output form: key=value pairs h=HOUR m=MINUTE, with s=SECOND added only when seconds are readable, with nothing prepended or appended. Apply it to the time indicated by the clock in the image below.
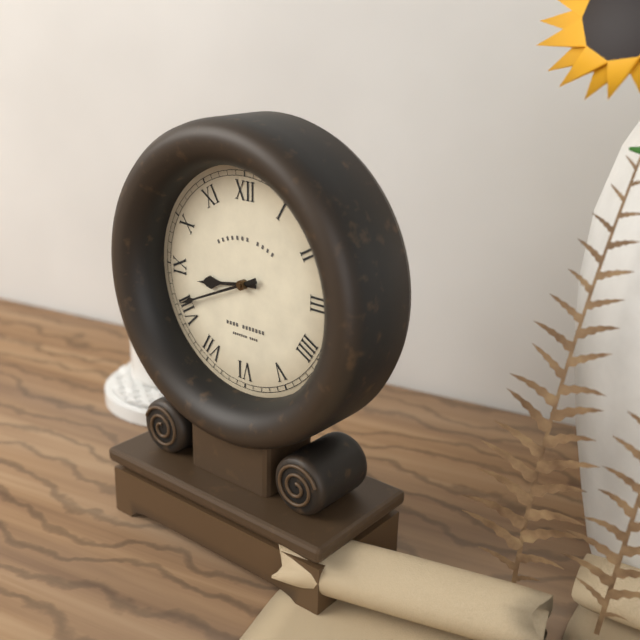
h=8 m=41
